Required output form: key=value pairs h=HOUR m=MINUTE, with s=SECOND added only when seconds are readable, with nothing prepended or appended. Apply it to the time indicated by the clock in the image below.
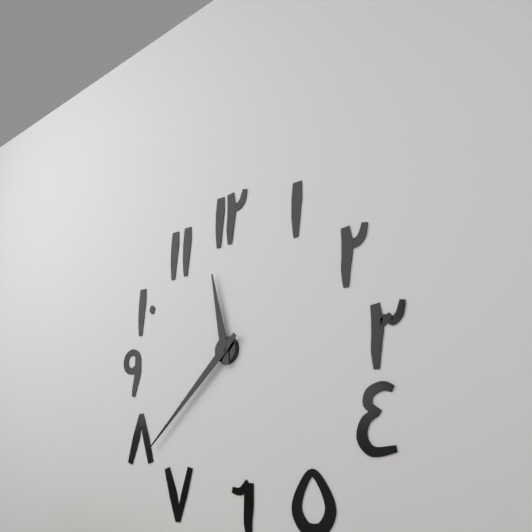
h=11 m=38
